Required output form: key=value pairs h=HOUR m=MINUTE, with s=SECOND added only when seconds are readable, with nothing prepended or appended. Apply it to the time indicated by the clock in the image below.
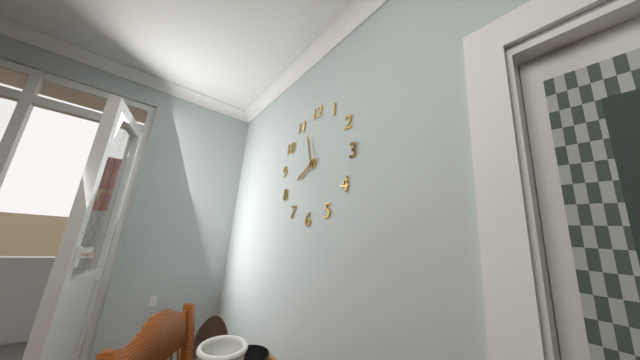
h=7 m=57
